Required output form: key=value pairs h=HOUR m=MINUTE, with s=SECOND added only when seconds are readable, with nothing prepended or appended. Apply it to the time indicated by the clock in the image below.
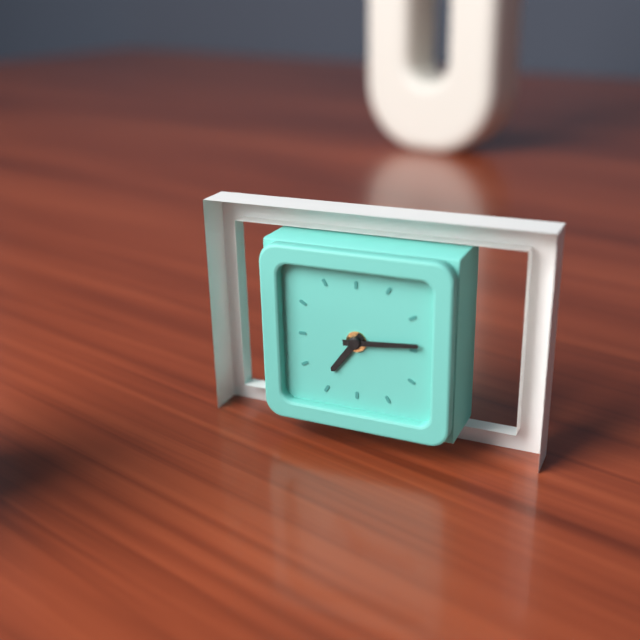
h=7 m=14
